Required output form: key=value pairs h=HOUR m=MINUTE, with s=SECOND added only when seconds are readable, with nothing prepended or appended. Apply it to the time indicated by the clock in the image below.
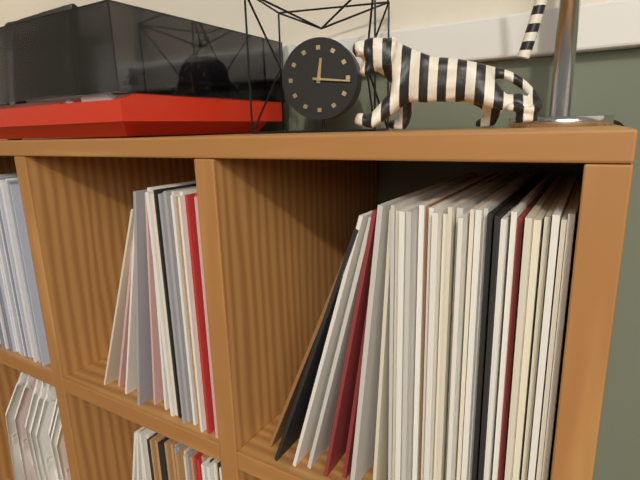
h=12 m=16
